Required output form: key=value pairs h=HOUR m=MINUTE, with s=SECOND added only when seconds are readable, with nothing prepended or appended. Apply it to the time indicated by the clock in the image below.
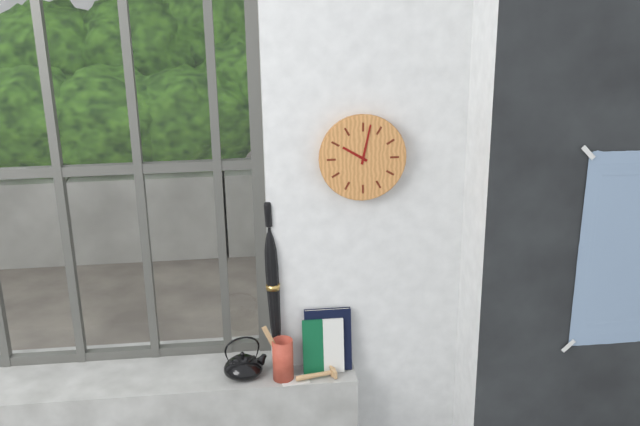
h=10 m=2
